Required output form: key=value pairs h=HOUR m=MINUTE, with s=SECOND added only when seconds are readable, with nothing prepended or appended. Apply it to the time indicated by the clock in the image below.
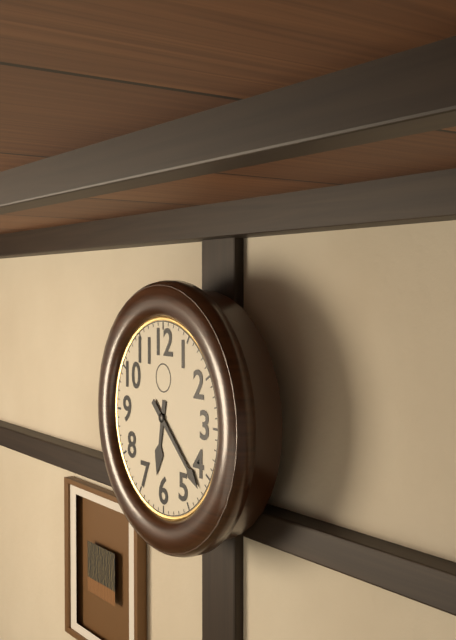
h=6 m=22
